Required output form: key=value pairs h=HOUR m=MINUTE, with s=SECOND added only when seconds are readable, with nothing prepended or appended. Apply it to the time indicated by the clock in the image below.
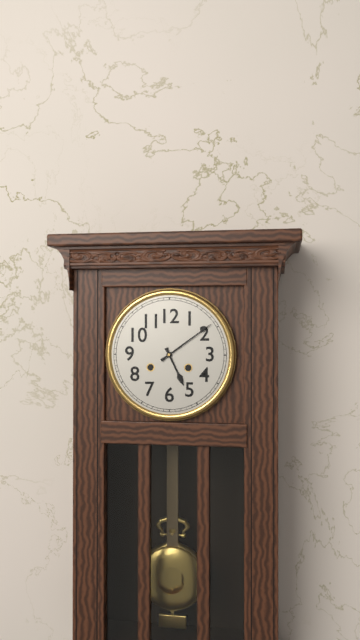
h=5 m=9
